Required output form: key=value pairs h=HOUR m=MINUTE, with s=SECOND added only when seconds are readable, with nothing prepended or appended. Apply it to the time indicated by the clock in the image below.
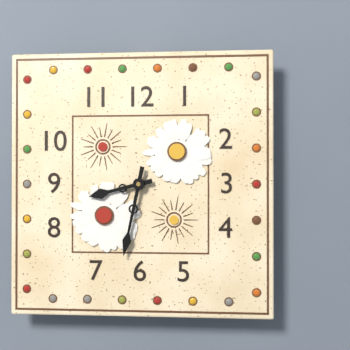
h=8 m=32
